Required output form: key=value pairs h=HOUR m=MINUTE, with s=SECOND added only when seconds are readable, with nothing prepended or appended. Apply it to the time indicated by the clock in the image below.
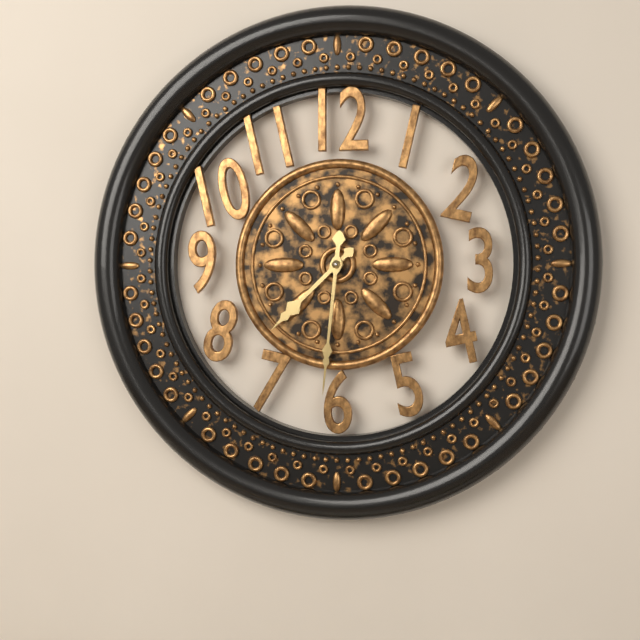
h=7 m=31
